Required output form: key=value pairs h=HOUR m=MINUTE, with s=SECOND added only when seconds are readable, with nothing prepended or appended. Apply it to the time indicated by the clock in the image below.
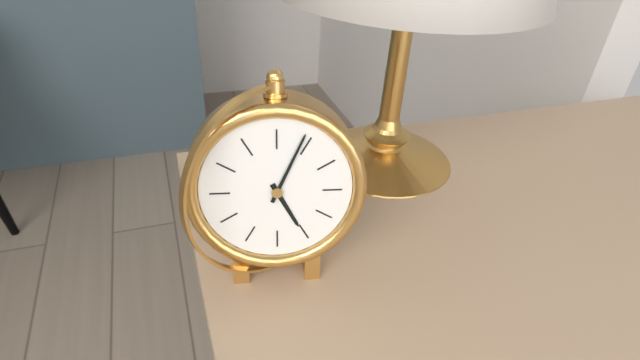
h=5 m=4
